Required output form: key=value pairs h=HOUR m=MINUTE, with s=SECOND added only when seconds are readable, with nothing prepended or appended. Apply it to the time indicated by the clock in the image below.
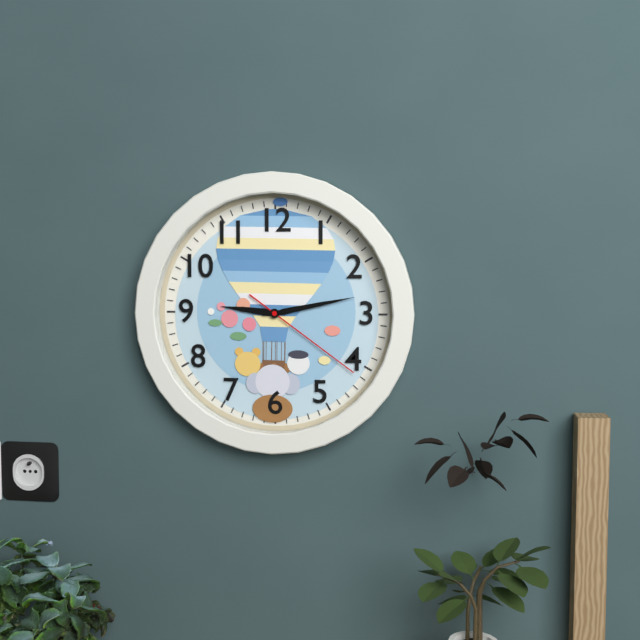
h=9 m=13 s=21
